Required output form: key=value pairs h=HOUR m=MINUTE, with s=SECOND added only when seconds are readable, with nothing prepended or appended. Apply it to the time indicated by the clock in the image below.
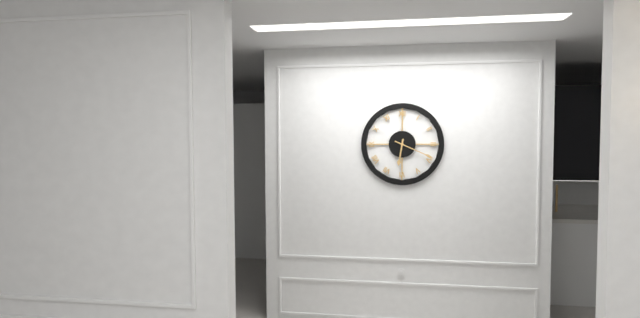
h=6 m=19
